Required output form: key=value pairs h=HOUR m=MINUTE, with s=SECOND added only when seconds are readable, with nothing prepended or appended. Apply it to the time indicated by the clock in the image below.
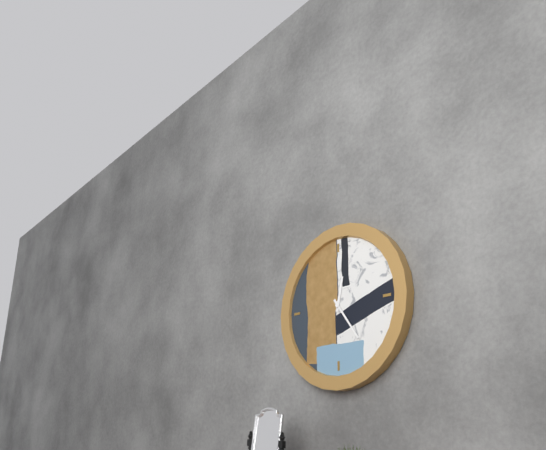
h=12 m=24
